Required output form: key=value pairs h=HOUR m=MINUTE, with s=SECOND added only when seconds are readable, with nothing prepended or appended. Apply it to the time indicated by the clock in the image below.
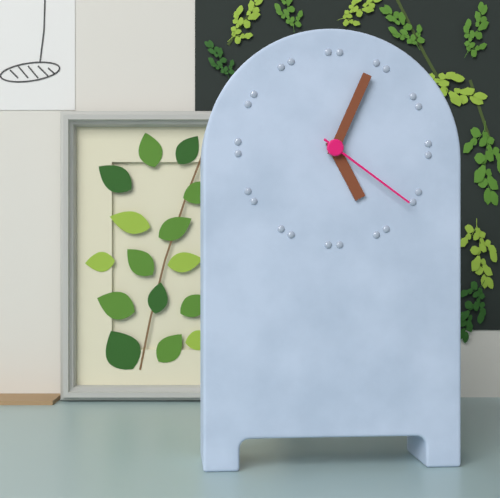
h=5 m=4 s=21
